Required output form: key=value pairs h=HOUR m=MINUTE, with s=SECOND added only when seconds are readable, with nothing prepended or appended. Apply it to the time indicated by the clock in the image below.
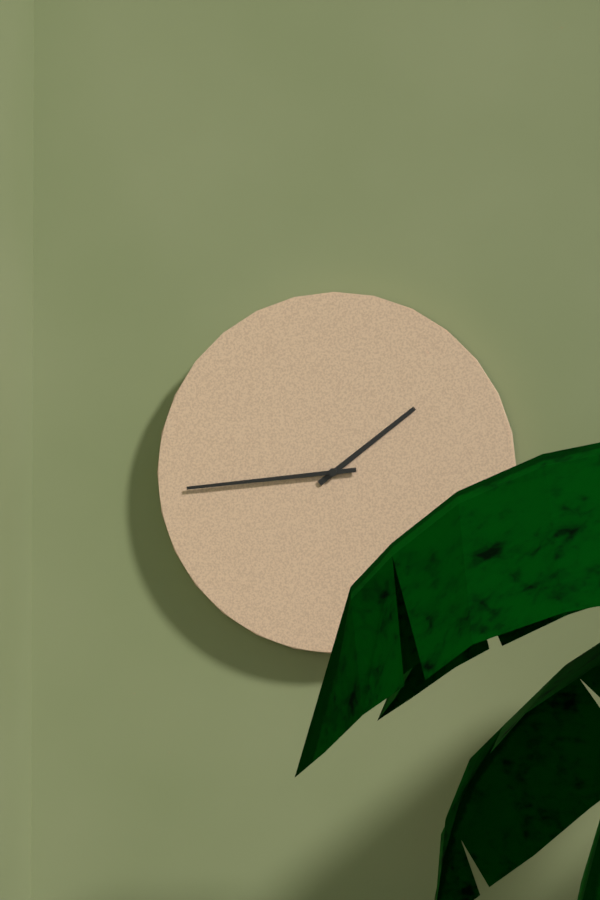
h=1 m=44
